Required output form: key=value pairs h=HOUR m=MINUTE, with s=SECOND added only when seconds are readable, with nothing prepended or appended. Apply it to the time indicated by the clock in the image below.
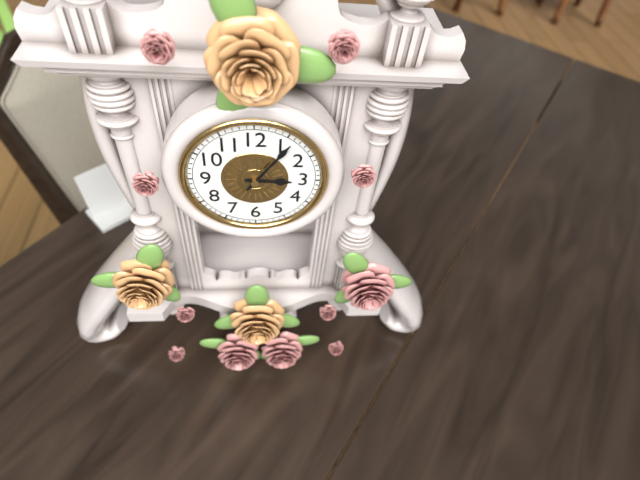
h=3 m=6
